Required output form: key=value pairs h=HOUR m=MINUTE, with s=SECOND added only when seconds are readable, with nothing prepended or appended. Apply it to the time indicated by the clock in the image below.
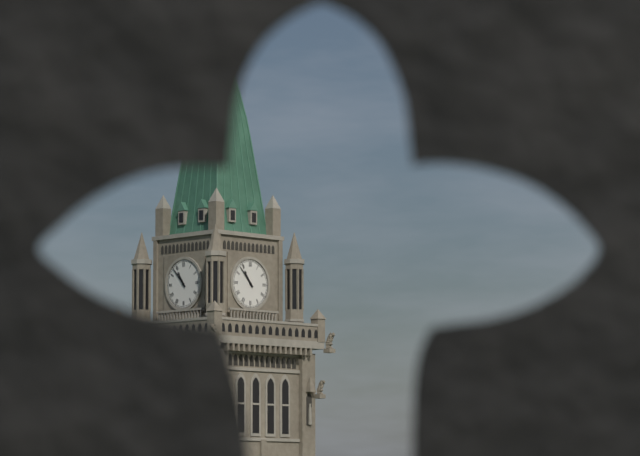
h=10 m=53
